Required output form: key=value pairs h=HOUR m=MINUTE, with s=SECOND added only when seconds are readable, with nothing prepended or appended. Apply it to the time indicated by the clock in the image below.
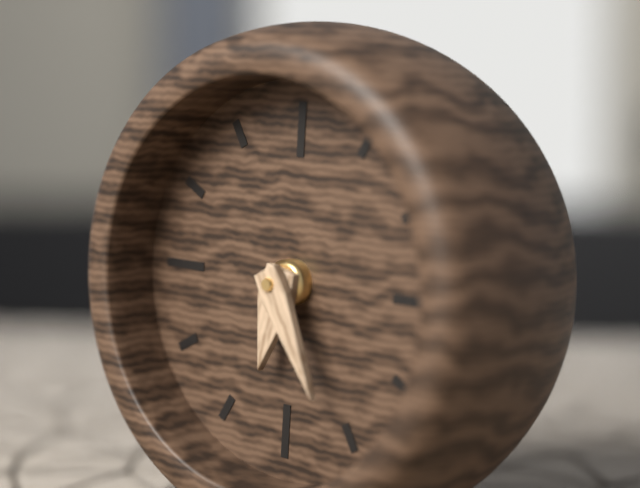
h=6 m=25
